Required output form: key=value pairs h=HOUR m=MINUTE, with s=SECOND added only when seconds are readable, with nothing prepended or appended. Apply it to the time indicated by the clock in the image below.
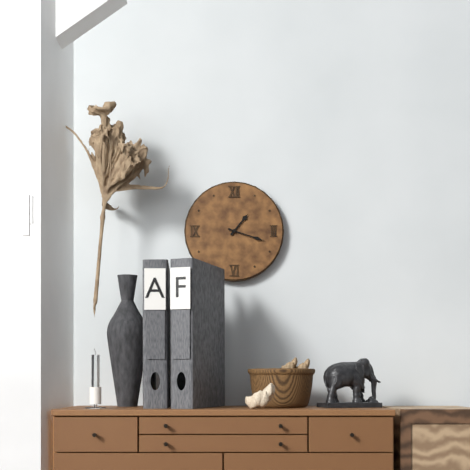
h=1 m=18
